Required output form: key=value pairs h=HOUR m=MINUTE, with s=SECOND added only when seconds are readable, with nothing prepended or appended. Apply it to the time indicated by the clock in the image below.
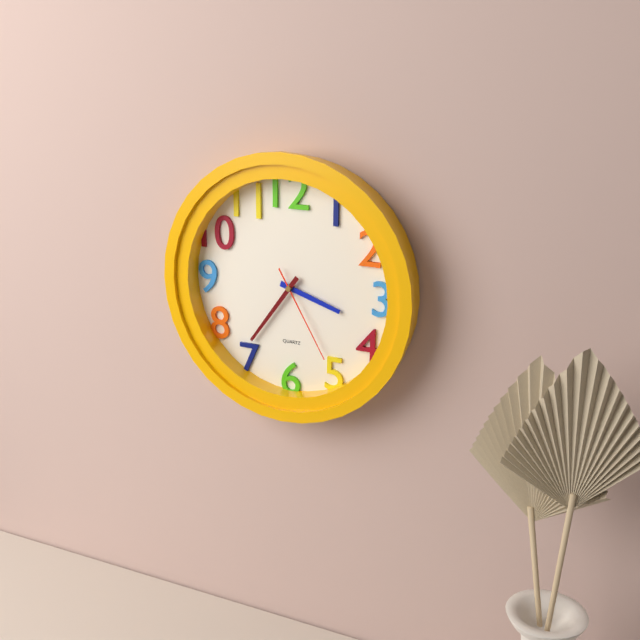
h=3 m=36 s=25
